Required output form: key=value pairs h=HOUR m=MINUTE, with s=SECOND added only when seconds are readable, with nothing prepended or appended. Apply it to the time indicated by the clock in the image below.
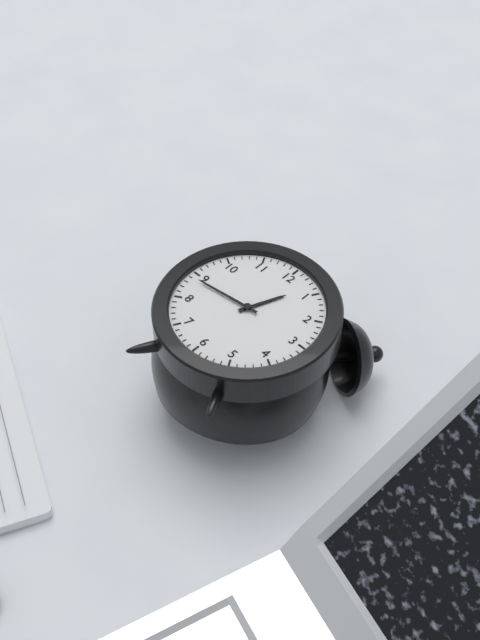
h=12 m=44
